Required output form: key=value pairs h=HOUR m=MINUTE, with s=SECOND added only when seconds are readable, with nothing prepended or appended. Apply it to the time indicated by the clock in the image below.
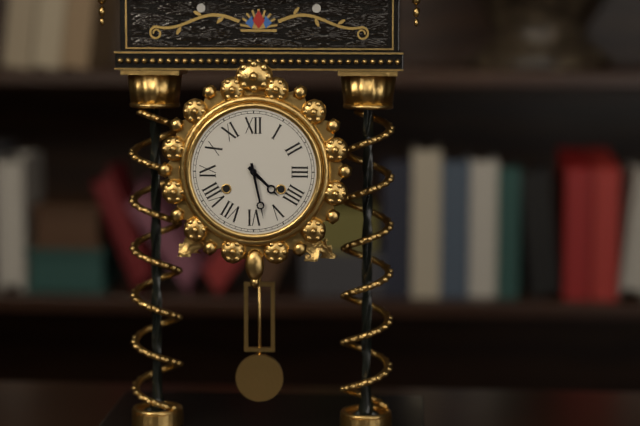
h=4 m=28
